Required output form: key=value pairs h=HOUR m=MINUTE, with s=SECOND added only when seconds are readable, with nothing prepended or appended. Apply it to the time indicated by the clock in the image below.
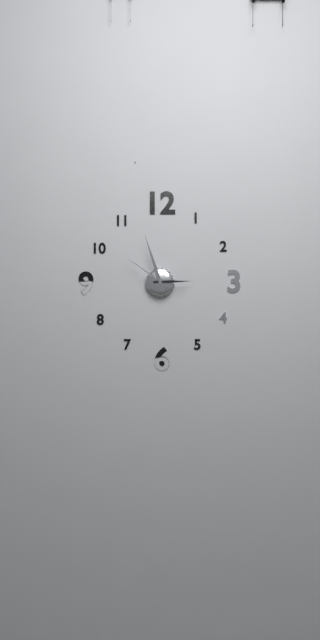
h=2 m=57 s=51
